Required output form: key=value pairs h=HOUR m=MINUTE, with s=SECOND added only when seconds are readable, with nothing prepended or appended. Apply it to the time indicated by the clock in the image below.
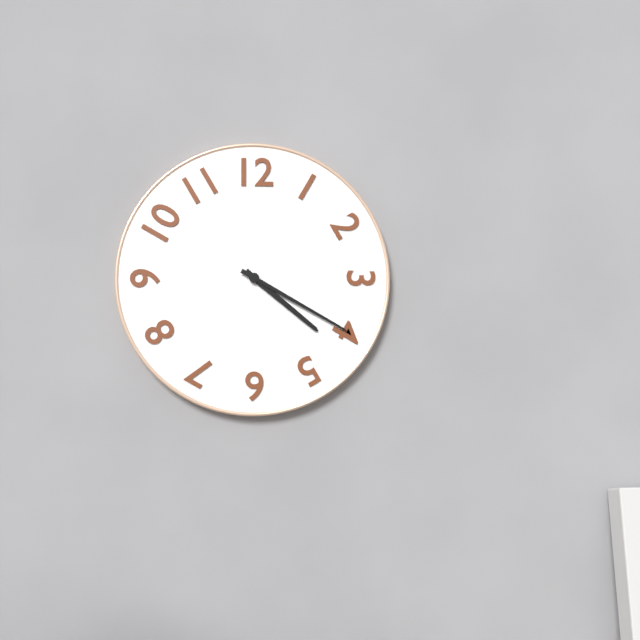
h=4 m=20
